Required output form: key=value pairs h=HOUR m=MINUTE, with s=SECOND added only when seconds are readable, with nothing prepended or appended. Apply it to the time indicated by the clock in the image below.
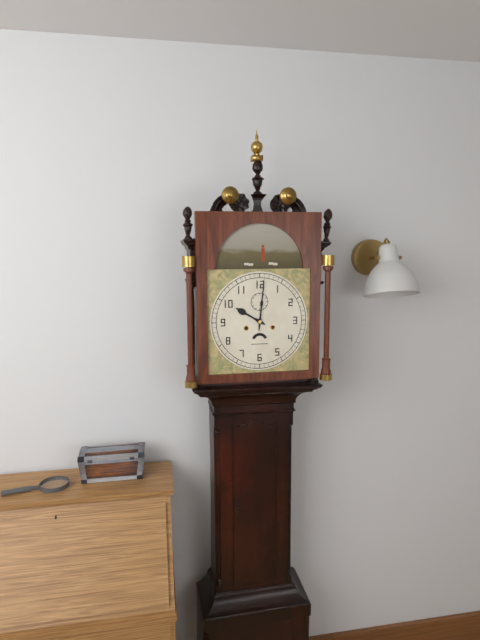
h=10 m=1
